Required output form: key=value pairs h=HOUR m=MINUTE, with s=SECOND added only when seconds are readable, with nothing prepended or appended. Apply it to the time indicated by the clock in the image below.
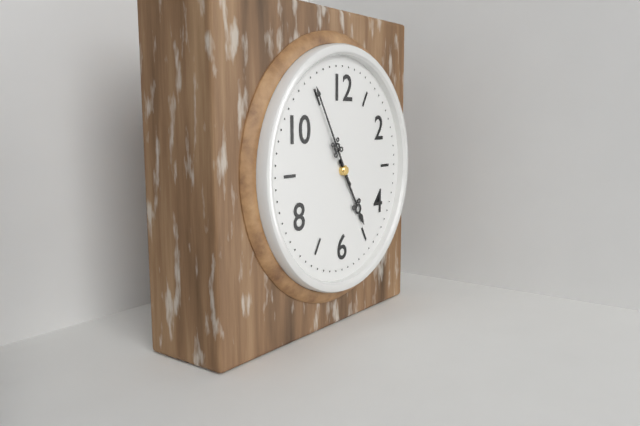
h=4 m=55
